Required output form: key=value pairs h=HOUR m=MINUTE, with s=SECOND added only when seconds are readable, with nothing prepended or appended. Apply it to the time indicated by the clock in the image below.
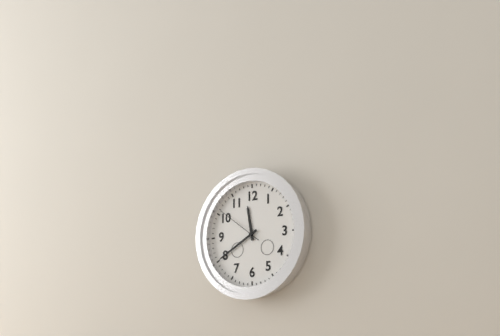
h=11 m=40 s=51
